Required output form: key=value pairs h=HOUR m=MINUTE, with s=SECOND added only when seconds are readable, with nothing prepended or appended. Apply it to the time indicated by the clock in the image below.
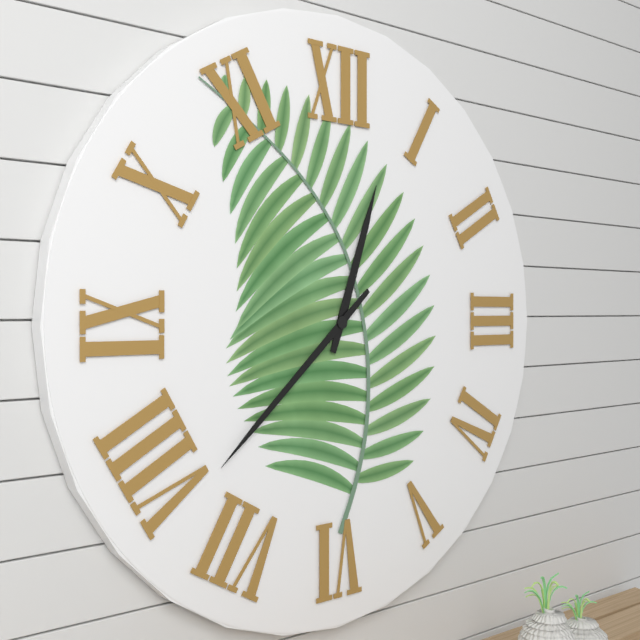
h=12 m=38
